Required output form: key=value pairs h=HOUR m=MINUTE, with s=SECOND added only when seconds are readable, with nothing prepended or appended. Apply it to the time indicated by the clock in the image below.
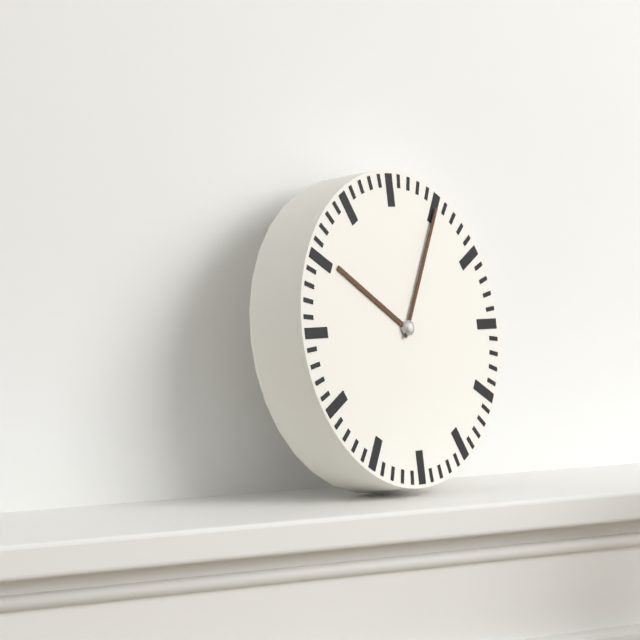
h=10 m=5
